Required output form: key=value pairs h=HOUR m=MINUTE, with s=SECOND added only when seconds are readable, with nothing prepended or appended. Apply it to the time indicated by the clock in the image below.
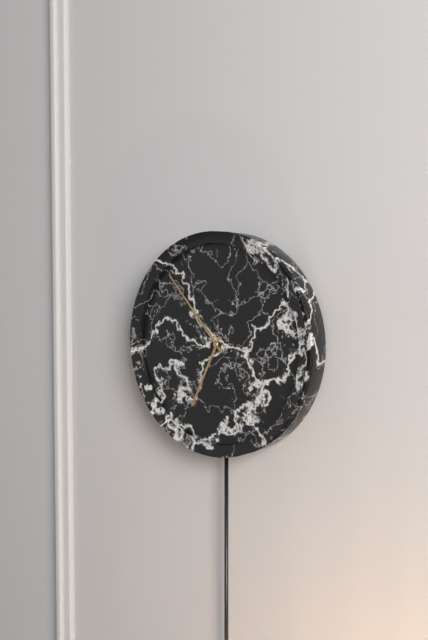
h=6 m=53
